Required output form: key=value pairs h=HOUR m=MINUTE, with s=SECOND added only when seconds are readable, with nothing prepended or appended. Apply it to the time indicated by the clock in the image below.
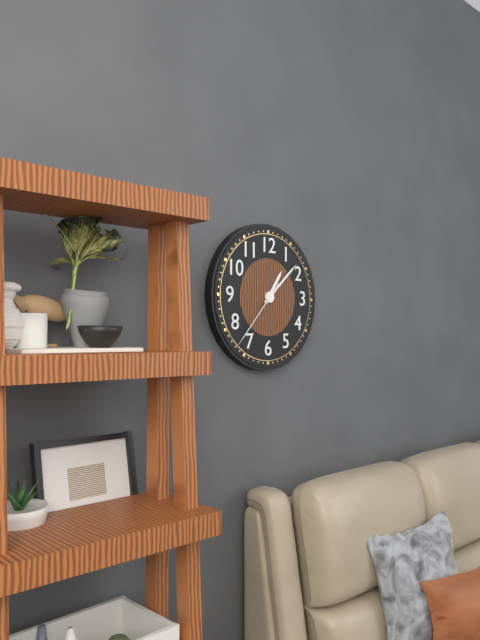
h=1 m=8 s=37
